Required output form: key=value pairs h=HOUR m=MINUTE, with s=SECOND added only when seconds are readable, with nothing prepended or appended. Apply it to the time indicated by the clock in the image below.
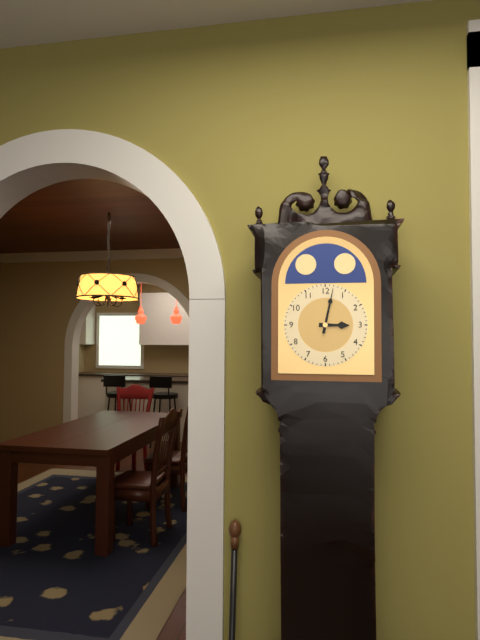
h=3 m=2
